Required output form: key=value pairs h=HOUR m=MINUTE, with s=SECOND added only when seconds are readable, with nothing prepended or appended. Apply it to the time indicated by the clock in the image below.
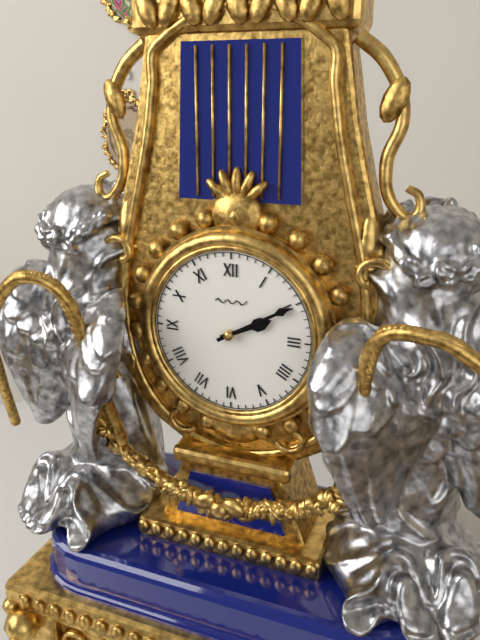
h=2 m=10
